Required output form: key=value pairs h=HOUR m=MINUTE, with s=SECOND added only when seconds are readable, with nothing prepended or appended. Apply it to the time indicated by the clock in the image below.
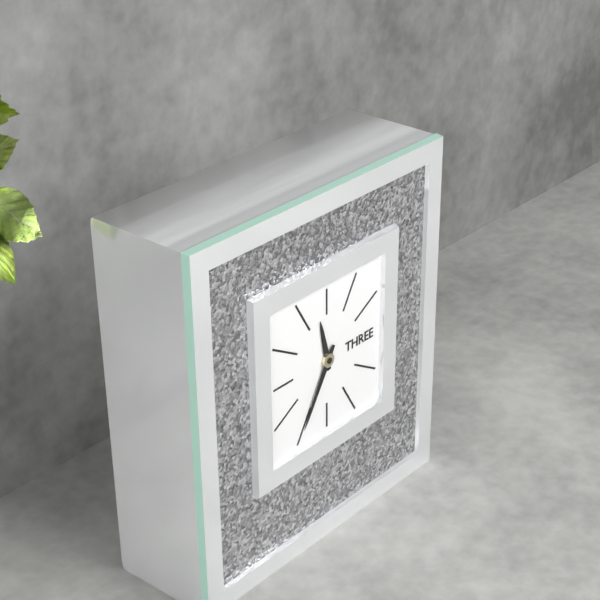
h=11 m=35
